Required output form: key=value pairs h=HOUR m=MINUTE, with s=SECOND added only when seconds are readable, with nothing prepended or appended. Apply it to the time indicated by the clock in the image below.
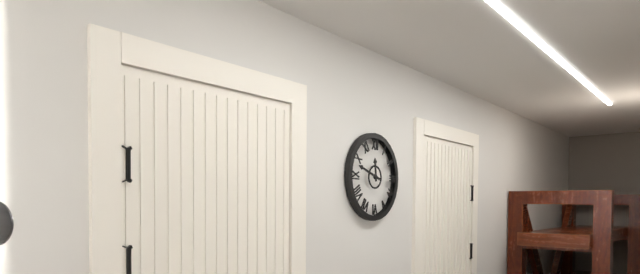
h=11 m=48
